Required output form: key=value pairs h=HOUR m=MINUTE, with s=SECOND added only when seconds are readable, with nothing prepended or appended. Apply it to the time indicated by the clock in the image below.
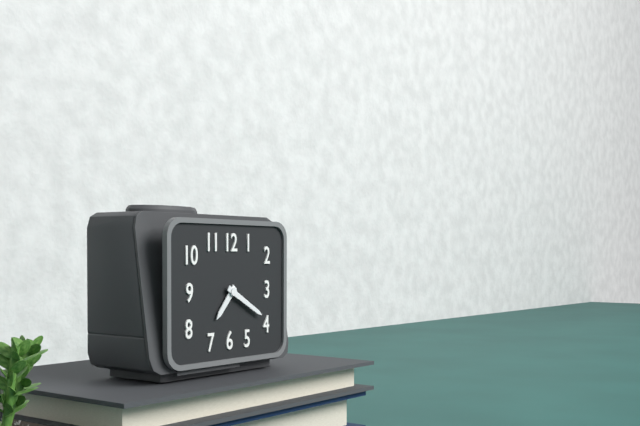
h=7 m=20
